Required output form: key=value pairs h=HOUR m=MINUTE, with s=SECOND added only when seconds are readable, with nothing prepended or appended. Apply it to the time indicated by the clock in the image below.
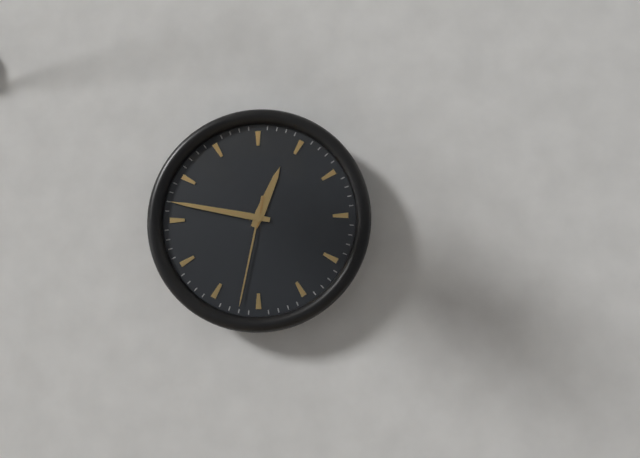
h=12 m=47 s=32
